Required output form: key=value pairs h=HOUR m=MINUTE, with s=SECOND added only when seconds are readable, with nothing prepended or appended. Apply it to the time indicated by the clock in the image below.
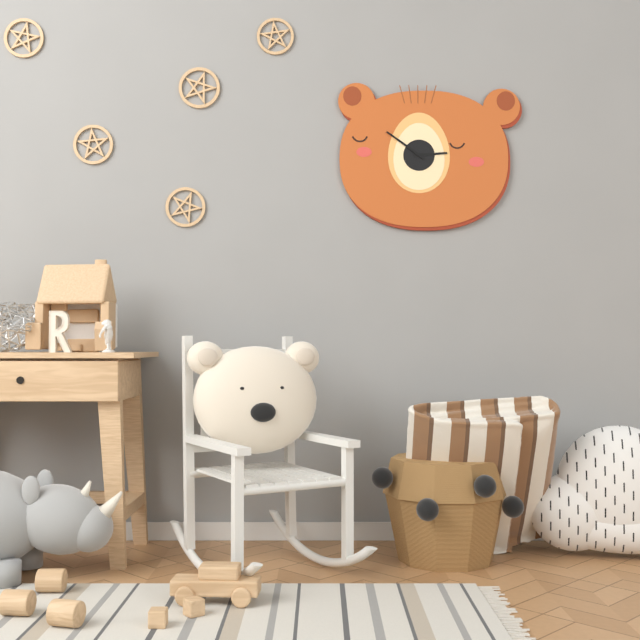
h=2 m=51
